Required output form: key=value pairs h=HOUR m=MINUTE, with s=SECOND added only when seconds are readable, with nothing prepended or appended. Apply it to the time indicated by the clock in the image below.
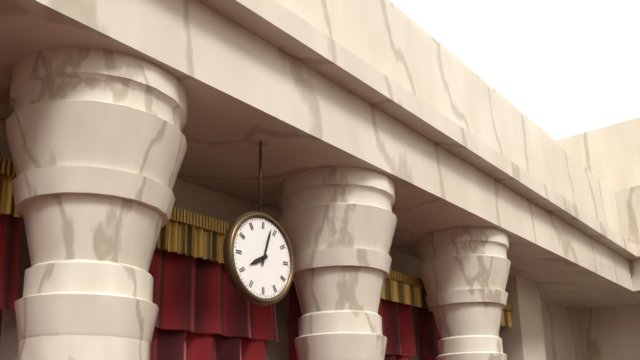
h=8 m=3
